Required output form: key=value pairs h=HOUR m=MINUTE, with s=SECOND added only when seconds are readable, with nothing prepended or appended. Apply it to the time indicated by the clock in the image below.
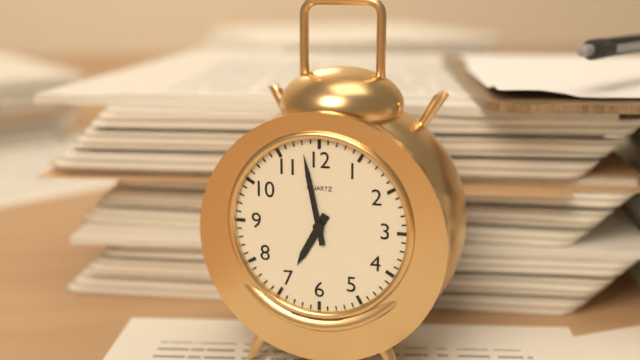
h=6 m=58
